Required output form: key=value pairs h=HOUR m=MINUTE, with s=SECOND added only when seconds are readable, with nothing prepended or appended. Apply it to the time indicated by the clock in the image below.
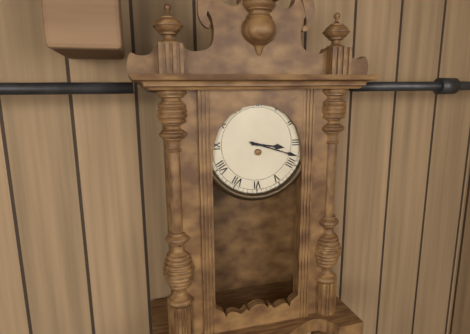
h=3 m=18
